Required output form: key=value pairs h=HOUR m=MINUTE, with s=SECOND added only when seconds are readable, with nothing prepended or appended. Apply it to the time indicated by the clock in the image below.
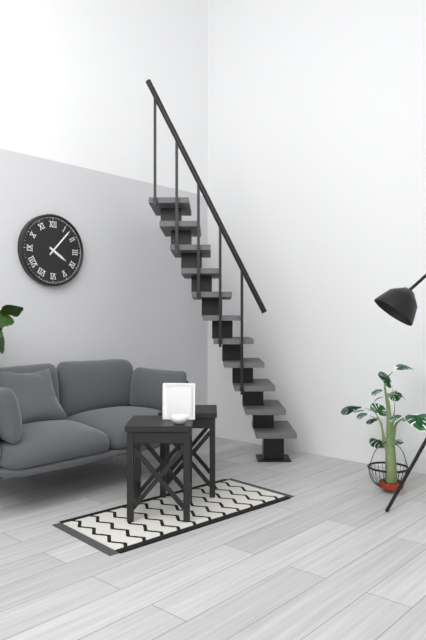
h=4 m=7
